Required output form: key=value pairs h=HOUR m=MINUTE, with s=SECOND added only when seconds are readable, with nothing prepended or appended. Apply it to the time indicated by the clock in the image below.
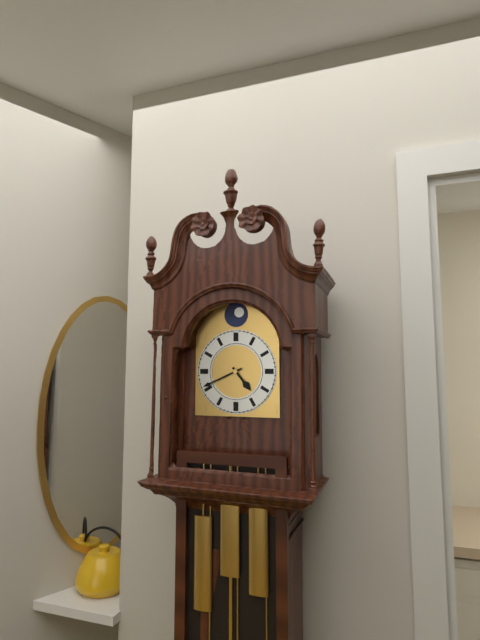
h=4 m=41
